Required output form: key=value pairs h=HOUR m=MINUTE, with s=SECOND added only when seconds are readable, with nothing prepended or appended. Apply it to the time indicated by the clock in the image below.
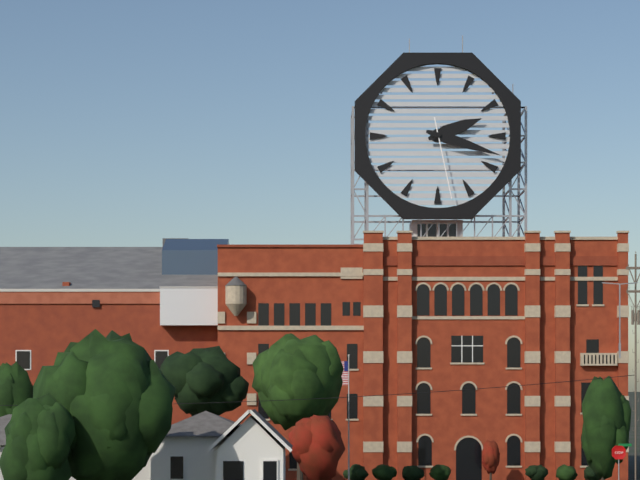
h=2 m=18 s=28
